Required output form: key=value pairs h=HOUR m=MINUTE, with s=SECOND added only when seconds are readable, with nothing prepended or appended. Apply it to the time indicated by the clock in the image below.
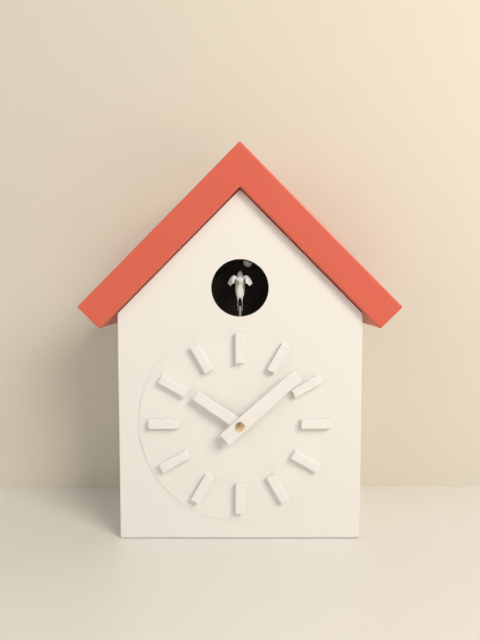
h=10 m=8
